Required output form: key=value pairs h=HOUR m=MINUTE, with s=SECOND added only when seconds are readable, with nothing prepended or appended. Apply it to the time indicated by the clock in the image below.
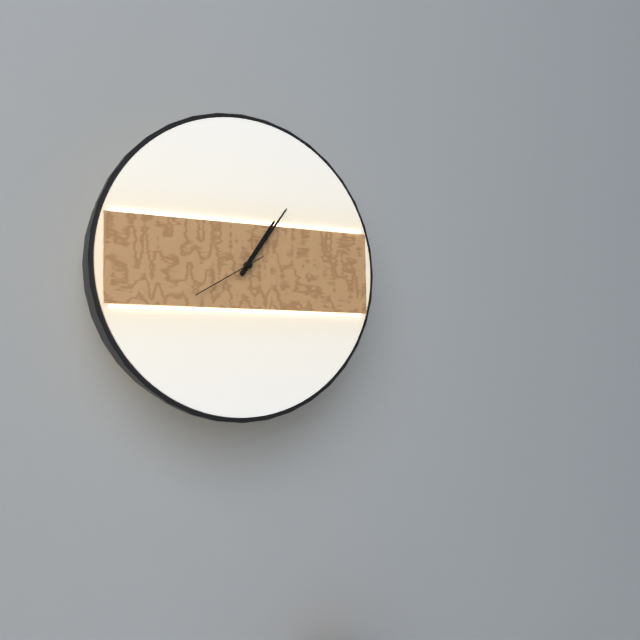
h=1 m=6 s=40
